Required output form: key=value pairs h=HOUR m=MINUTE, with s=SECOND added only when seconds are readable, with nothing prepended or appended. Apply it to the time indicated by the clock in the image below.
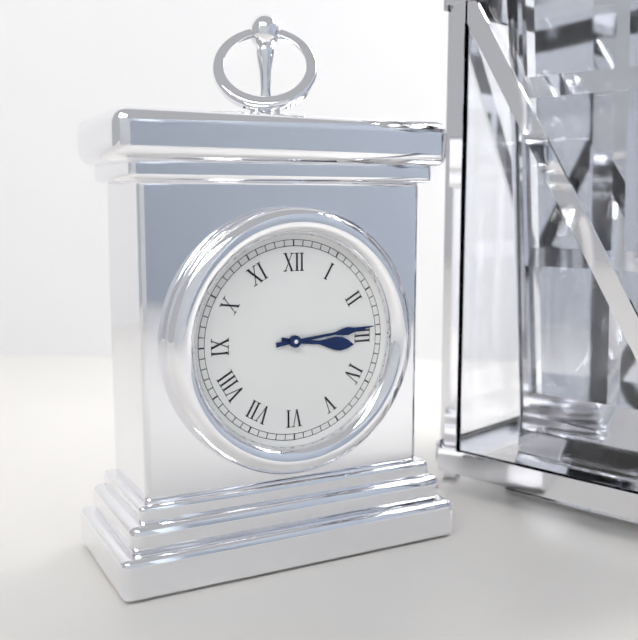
h=3 m=14
